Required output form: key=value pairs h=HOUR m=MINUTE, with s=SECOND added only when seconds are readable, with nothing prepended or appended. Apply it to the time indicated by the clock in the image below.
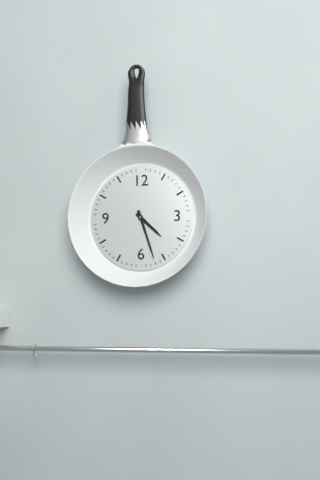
h=4 m=27
